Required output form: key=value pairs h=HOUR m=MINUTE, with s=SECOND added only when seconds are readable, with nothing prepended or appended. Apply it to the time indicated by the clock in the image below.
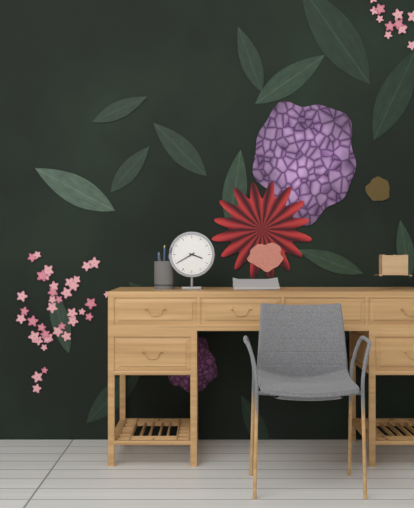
h=3 m=40
